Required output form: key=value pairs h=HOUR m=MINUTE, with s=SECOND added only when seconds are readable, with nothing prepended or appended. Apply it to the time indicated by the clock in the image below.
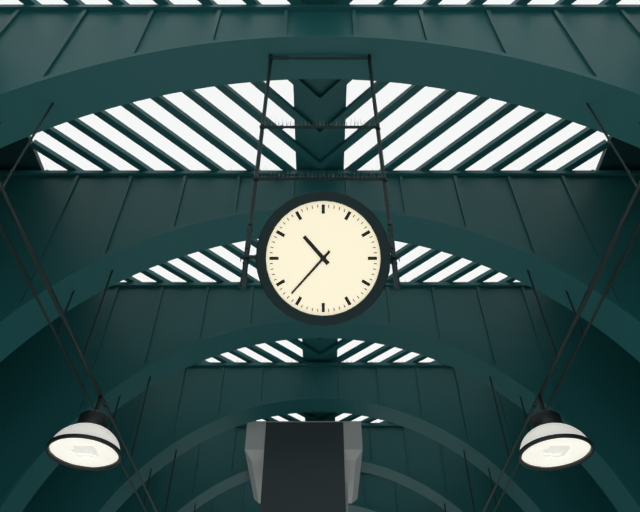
h=10 m=37
